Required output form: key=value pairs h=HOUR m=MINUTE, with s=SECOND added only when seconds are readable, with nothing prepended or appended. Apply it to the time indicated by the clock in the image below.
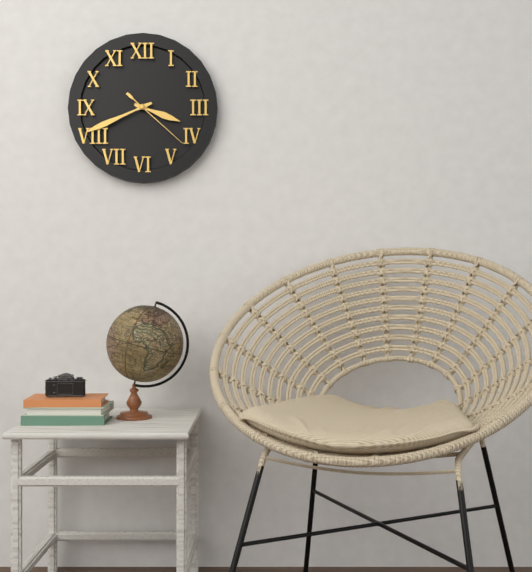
h=3 m=41 s=22
